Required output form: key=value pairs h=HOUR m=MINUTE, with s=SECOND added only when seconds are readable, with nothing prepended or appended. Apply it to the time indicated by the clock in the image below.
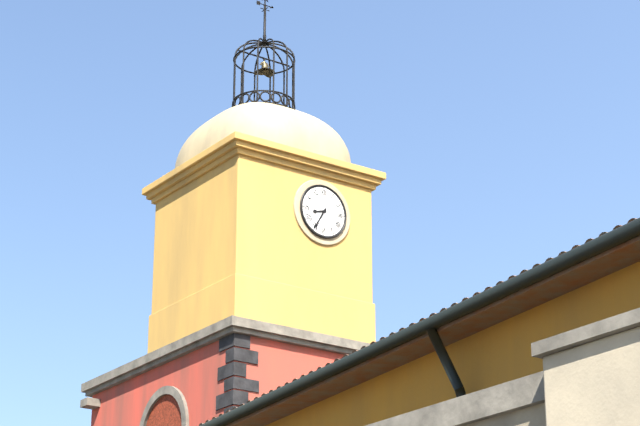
h=8 m=35
